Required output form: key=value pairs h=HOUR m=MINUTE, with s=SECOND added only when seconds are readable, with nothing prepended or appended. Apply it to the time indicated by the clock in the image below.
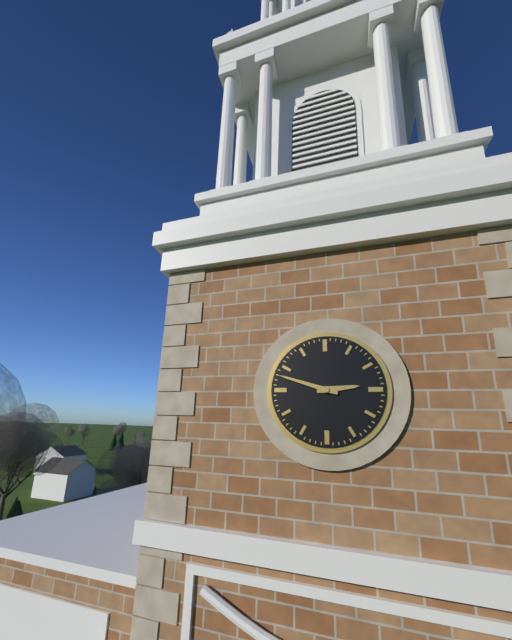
h=2 m=48
